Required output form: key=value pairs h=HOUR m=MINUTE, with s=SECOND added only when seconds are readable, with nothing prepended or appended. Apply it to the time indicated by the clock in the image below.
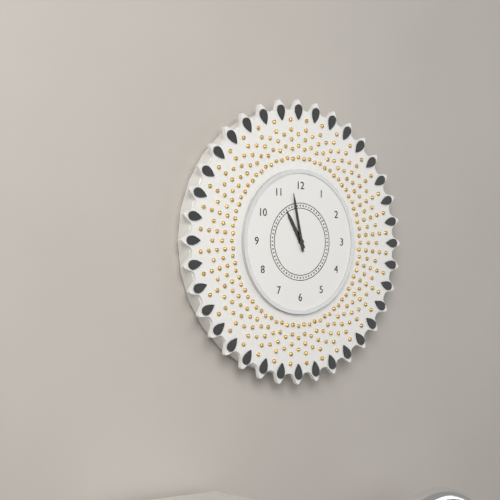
h=10 m=58
